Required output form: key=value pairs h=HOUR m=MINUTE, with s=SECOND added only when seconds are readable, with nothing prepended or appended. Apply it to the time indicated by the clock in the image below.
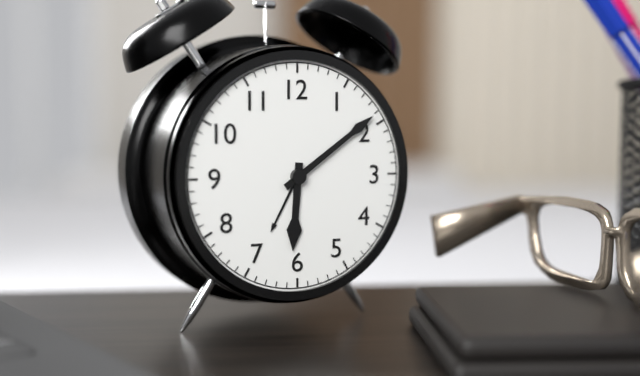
h=6 m=9
